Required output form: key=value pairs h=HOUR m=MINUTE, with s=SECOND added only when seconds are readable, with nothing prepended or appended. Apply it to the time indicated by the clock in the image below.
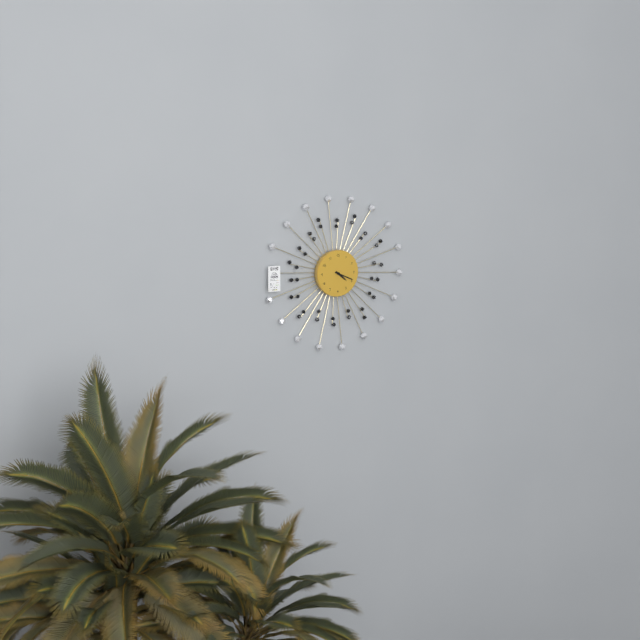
h=4 m=19
